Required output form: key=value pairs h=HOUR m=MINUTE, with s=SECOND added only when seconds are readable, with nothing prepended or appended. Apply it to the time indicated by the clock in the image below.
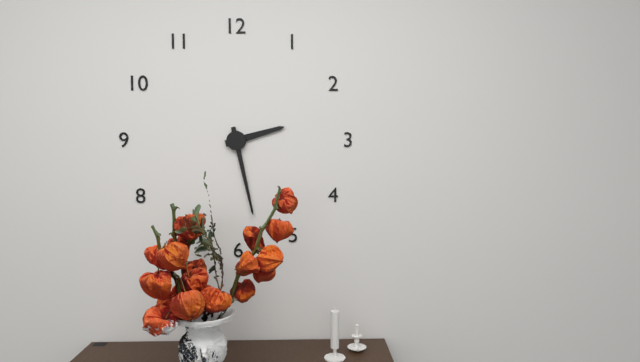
h=2 m=28
